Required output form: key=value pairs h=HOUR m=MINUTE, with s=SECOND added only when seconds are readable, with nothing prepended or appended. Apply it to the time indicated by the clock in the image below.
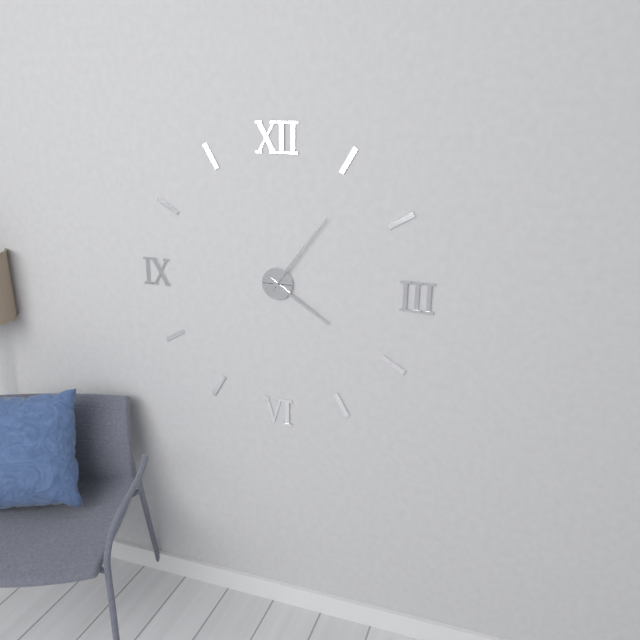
h=4 m=6
